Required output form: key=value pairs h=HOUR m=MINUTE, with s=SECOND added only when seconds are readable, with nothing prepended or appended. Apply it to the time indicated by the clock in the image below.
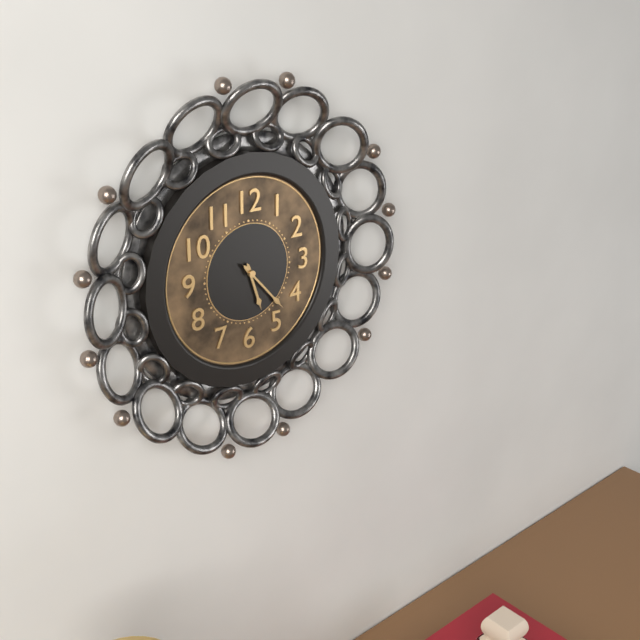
h=5 m=23
